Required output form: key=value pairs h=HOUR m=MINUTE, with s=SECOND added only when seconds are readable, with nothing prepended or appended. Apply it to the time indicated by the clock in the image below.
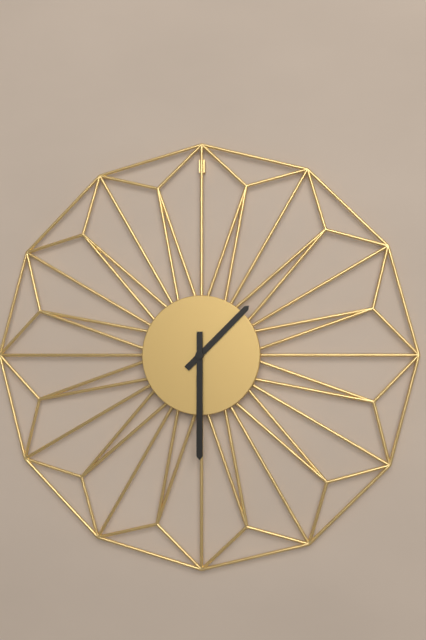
h=1 m=30
